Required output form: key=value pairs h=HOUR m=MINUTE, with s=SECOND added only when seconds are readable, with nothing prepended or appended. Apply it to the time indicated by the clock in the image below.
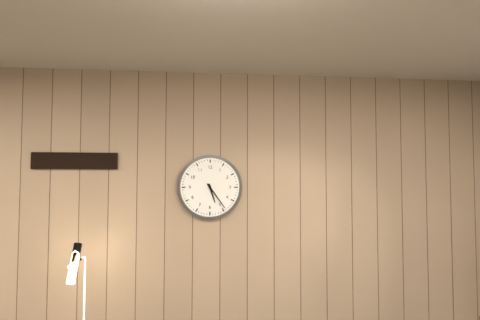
h=5 m=24
